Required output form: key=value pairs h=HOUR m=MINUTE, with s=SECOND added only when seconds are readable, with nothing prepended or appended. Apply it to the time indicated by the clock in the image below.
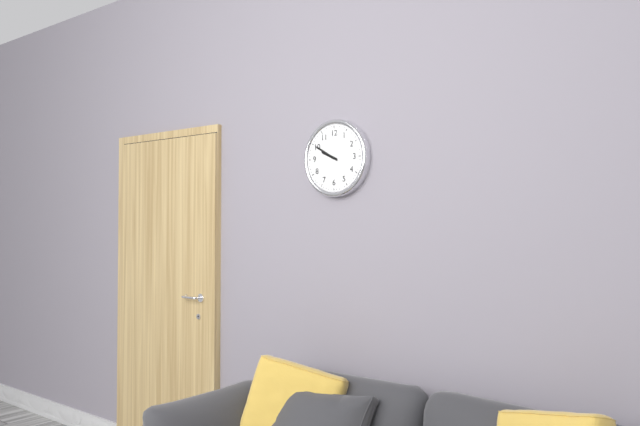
h=9 m=50
